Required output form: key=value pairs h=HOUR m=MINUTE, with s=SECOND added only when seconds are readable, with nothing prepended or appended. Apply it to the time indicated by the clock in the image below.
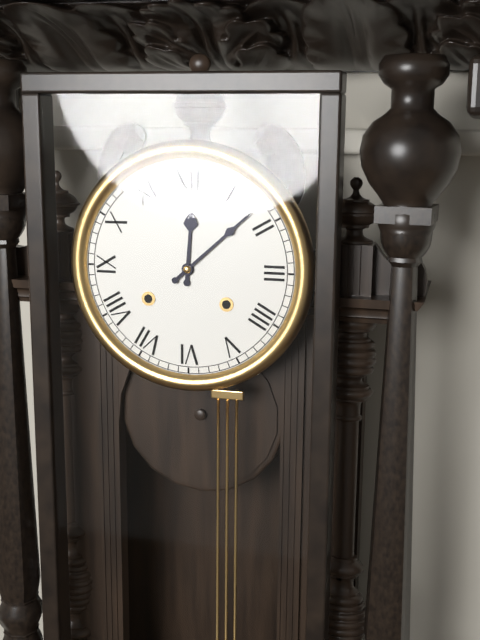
h=12 m=8
